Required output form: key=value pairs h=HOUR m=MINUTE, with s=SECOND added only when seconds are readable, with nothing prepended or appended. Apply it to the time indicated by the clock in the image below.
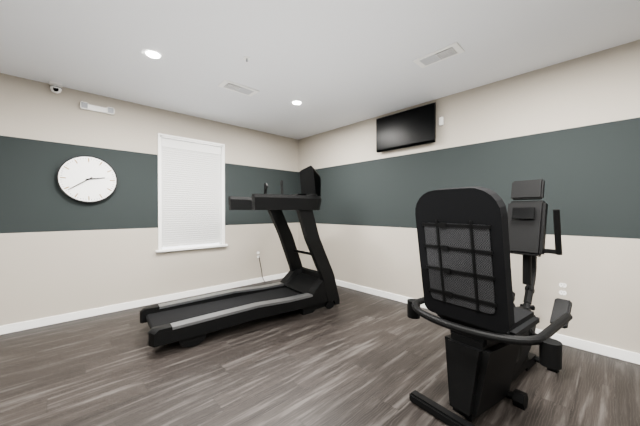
h=2 m=39
